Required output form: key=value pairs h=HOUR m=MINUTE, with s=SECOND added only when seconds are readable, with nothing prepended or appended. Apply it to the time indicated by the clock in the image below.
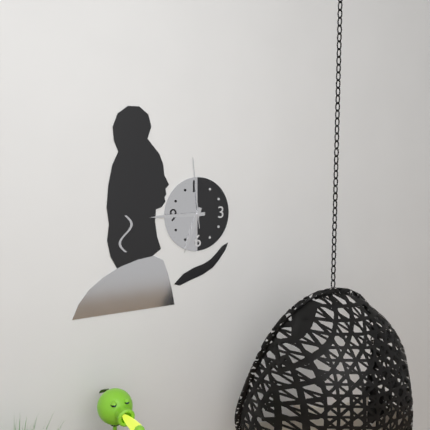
h=6 m=45 s=59
